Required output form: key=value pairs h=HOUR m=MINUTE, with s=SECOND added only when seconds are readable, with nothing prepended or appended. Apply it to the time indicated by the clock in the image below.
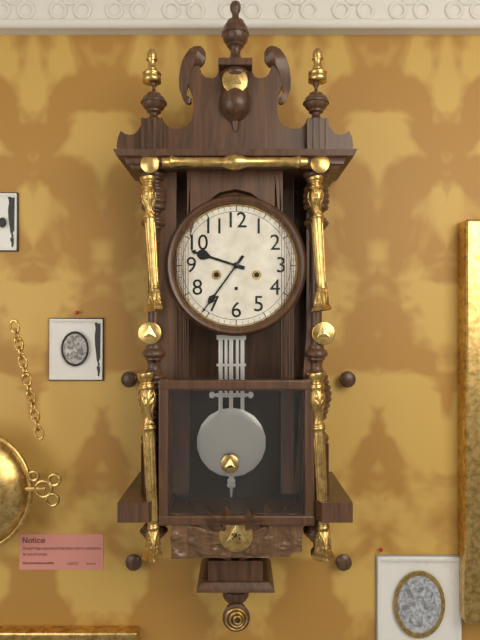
h=9 m=36
